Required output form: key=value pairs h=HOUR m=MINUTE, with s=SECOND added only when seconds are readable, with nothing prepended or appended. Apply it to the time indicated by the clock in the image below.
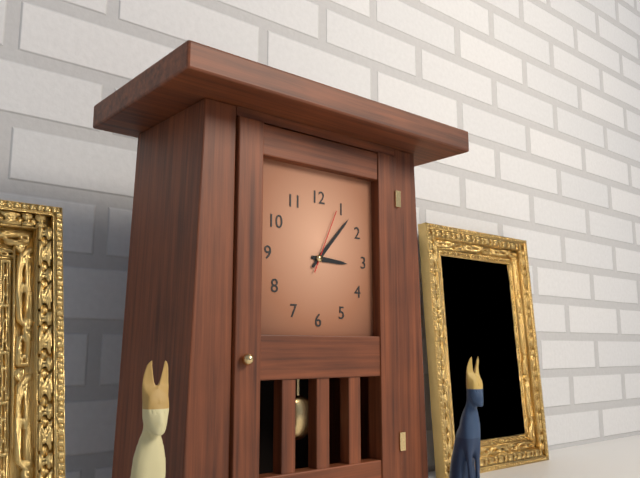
h=3 m=7 s=4
